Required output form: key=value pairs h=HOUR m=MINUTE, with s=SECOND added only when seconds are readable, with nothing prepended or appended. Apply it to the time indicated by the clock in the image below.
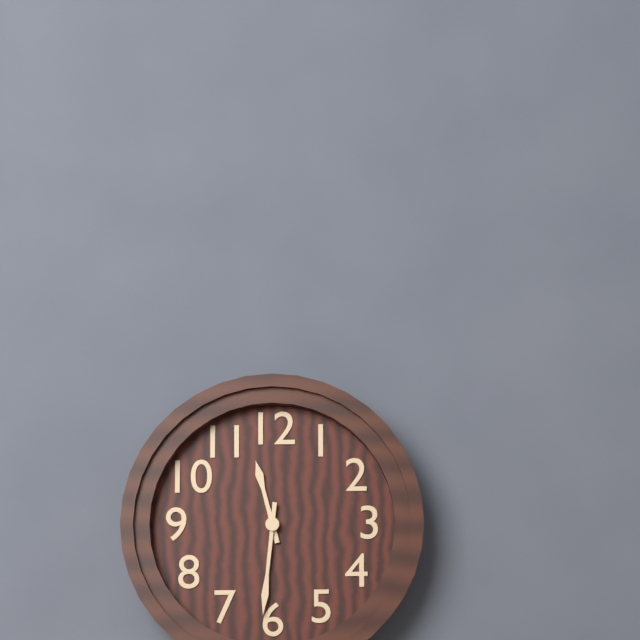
h=11 m=31
